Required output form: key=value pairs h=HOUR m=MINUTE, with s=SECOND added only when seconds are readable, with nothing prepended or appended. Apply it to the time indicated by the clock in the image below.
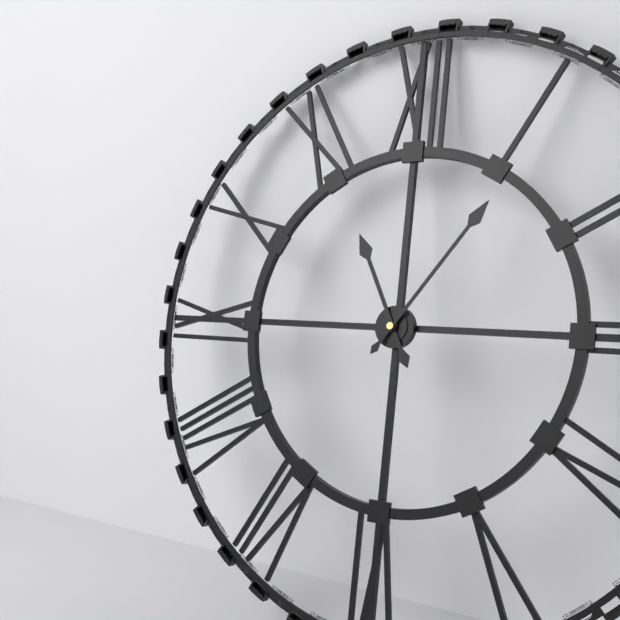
h=11 m=6
